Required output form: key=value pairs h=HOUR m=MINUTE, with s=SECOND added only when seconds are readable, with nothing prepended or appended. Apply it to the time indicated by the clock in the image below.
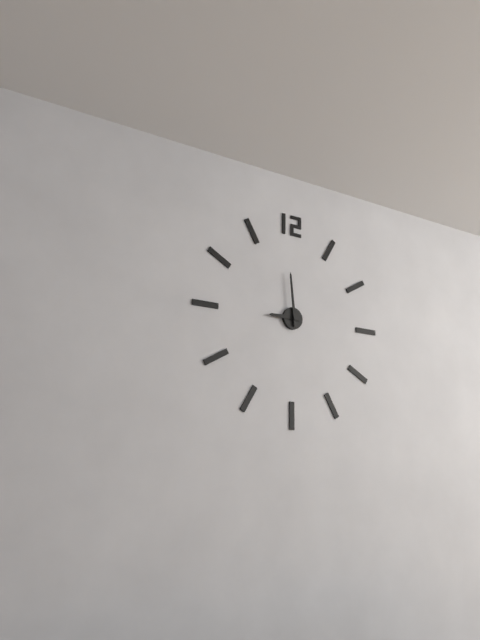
h=8 m=59
